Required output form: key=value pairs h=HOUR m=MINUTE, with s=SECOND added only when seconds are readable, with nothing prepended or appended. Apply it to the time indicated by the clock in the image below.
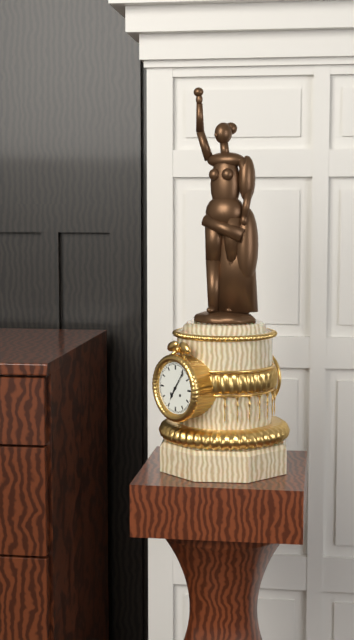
h=7 m=6
